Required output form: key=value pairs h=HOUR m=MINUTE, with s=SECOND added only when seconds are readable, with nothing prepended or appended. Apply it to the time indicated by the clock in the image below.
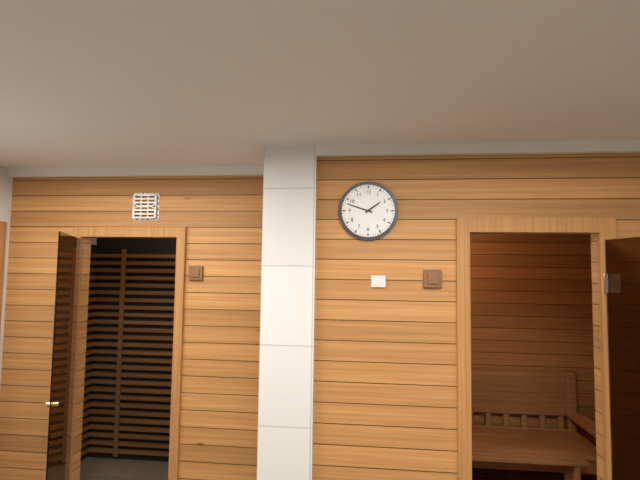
h=1 m=48
